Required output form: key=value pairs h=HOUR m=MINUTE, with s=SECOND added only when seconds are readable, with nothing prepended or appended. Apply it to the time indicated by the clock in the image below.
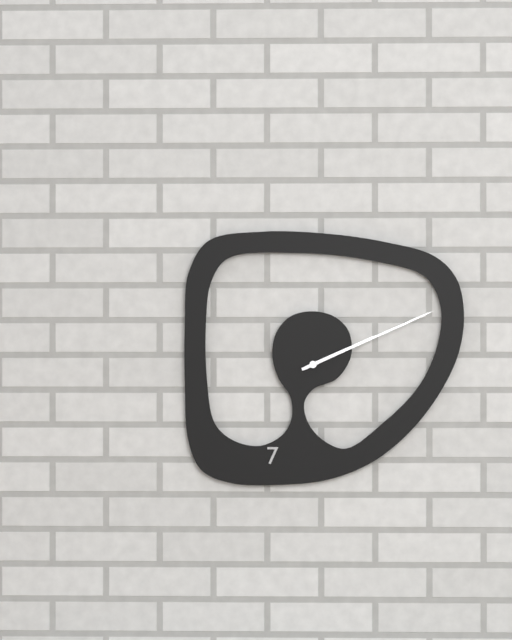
h=2 m=11
